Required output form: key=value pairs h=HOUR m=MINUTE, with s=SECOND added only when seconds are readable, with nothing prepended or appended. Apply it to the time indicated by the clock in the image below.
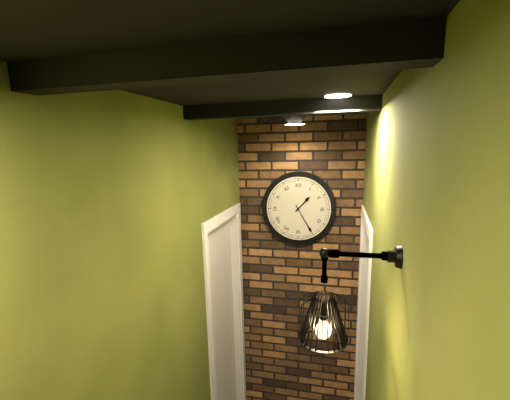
h=1 m=25
